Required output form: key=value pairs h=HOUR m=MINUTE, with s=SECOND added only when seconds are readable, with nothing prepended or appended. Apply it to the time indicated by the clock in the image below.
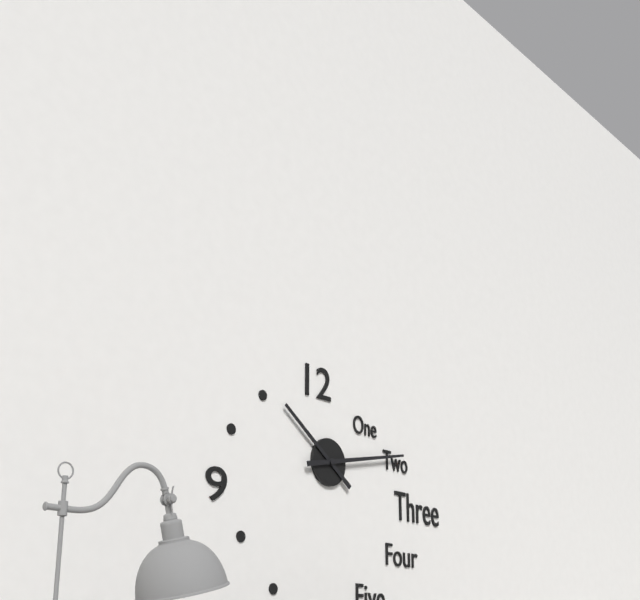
h=10 m=13
